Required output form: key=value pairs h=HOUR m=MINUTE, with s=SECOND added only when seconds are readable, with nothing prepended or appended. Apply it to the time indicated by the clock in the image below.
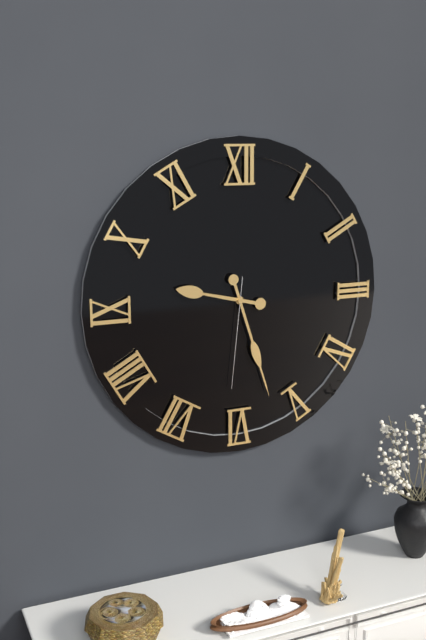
h=9 m=27 s=31
